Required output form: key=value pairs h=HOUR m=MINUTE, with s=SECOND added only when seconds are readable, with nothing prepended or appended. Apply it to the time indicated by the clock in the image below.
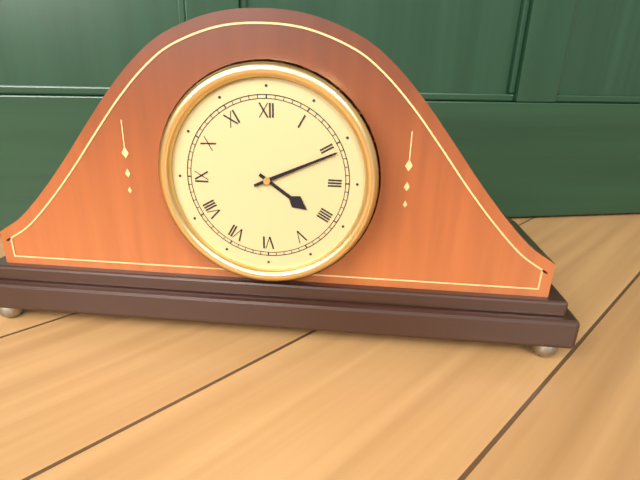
h=4 m=11
